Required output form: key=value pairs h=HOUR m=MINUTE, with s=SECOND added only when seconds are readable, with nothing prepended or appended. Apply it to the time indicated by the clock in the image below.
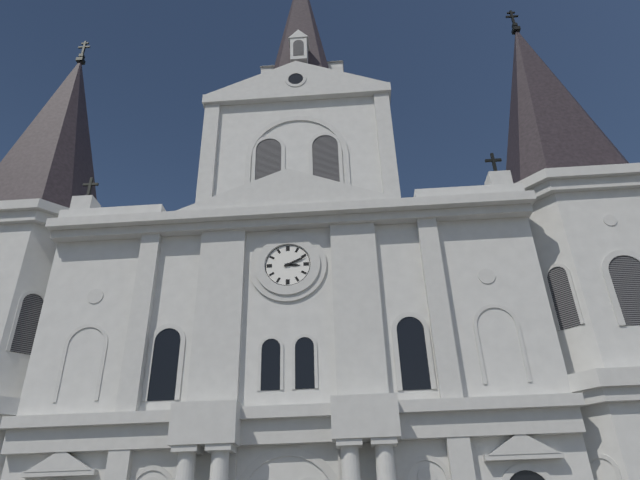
h=3 m=11
